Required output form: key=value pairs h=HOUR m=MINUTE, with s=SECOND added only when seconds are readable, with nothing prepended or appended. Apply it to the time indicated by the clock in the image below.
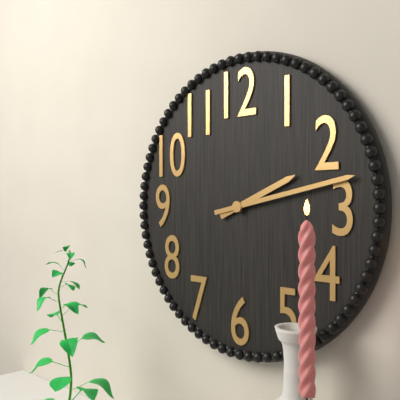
h=2 m=13
